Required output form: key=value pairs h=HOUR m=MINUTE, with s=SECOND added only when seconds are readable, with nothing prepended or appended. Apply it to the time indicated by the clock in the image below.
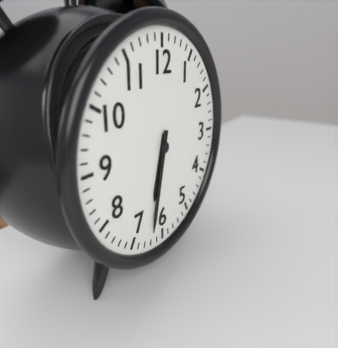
h=6 m=32
